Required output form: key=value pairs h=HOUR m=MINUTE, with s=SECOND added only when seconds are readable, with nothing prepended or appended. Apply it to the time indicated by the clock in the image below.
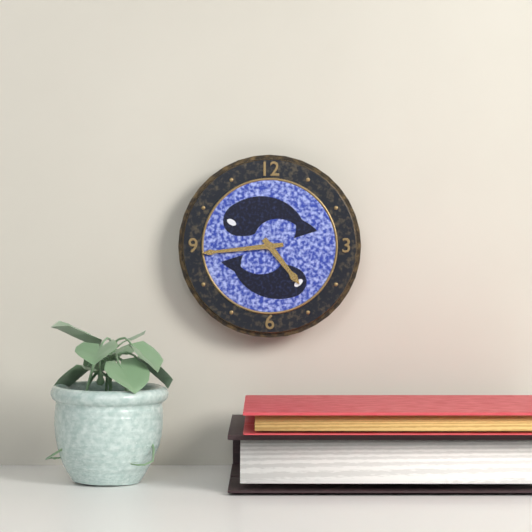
h=4 m=44
